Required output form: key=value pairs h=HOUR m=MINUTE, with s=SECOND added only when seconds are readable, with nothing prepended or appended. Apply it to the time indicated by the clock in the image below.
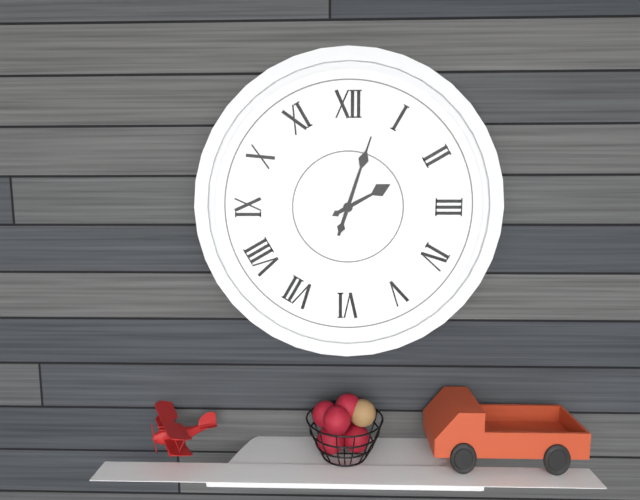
h=2 m=3
